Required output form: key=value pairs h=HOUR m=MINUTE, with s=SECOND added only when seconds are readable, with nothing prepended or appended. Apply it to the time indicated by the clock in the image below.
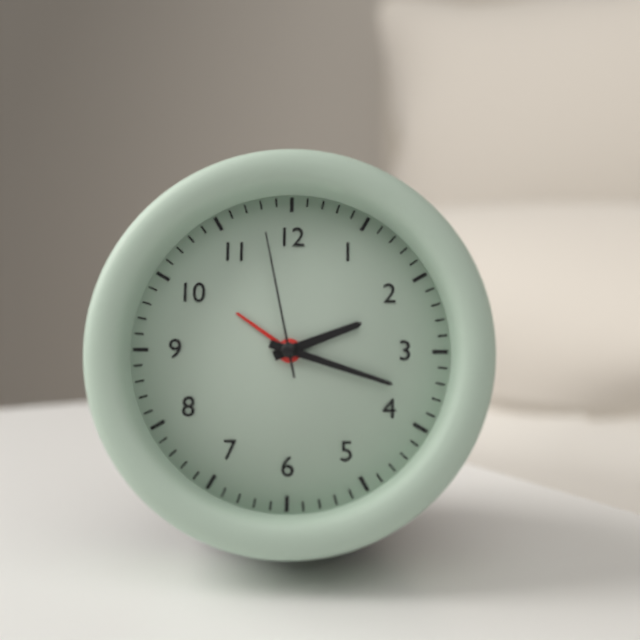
h=2 m=18 s=58
